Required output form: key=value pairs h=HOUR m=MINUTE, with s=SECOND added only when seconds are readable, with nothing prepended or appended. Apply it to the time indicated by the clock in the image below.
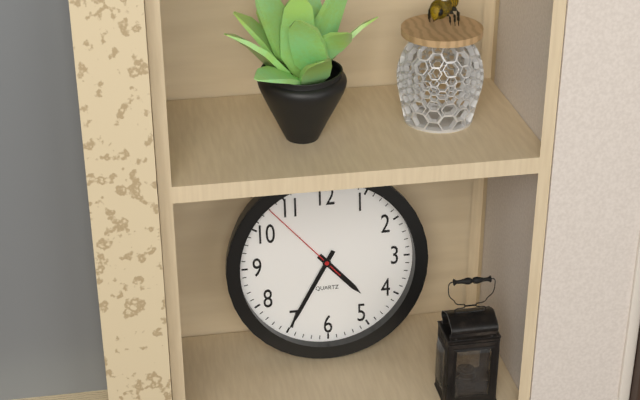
h=4 m=35 s=53
